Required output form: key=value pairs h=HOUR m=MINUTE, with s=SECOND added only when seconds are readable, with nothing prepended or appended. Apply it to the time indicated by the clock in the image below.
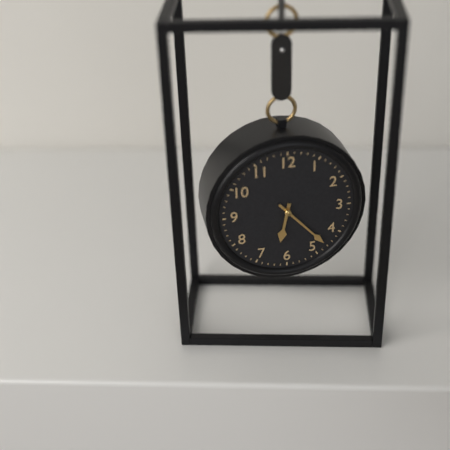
h=6 m=23
